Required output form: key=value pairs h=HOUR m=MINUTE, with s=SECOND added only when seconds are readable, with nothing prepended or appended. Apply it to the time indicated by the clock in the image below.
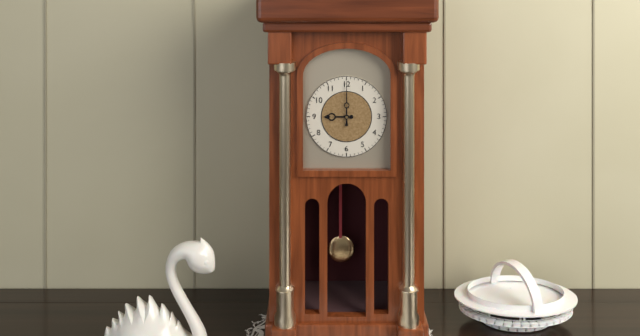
h=9 m=0
